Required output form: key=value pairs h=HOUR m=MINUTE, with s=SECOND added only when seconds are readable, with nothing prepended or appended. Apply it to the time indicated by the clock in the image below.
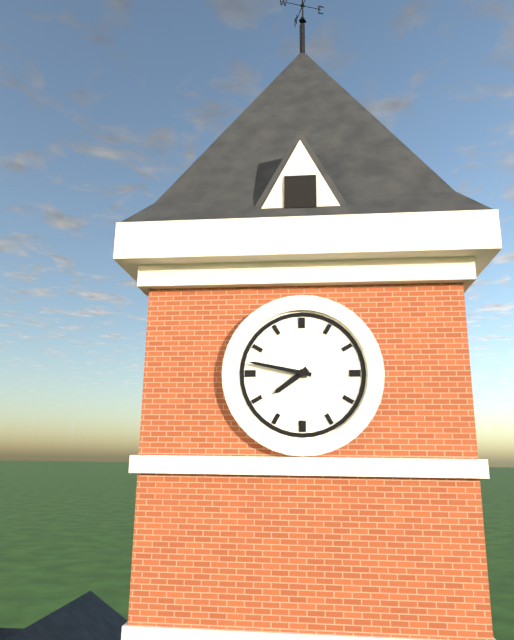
h=7 m=47
